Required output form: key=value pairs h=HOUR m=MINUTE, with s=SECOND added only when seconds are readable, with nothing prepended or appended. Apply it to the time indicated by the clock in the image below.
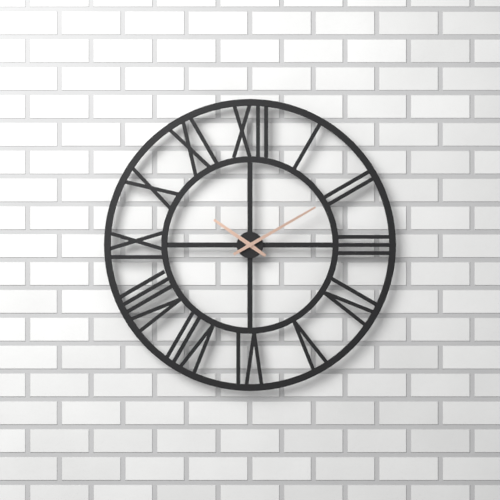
h=10 m=10
